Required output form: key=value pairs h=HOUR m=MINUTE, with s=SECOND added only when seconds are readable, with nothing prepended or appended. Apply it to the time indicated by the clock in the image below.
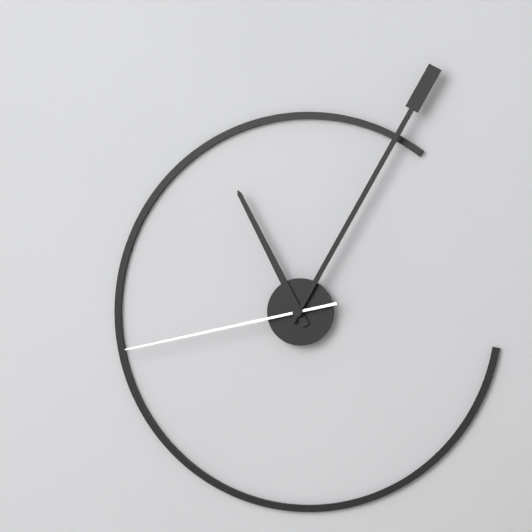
h=11 m=5 s=43
